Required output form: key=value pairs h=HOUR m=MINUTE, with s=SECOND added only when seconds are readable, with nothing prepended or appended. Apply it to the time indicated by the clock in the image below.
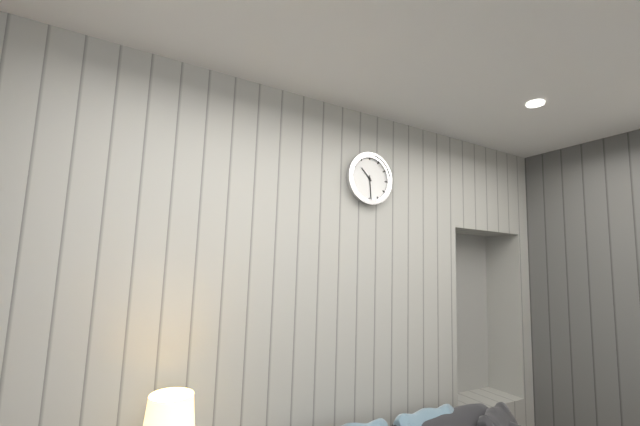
h=10 m=29
